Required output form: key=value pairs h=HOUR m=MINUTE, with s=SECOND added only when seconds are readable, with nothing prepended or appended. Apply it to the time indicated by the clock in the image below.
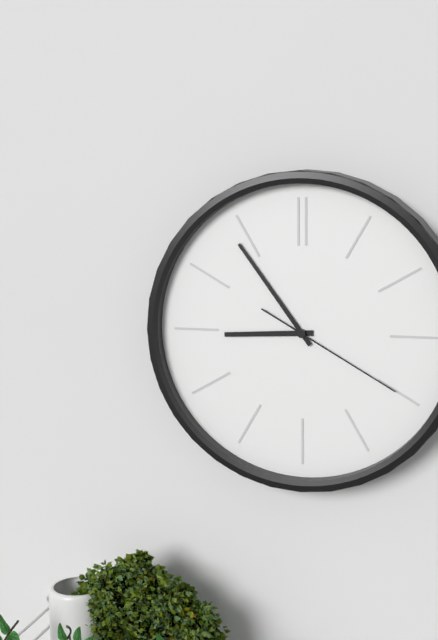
h=8 m=54 s=20
